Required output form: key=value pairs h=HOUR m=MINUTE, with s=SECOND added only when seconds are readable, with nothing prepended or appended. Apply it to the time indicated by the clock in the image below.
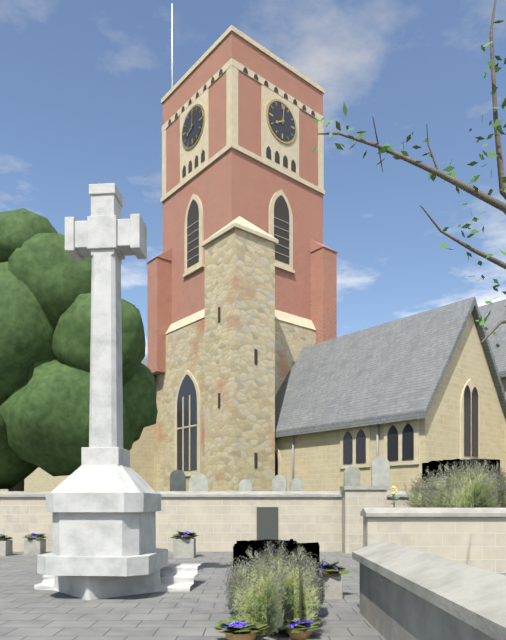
h=8 m=1
